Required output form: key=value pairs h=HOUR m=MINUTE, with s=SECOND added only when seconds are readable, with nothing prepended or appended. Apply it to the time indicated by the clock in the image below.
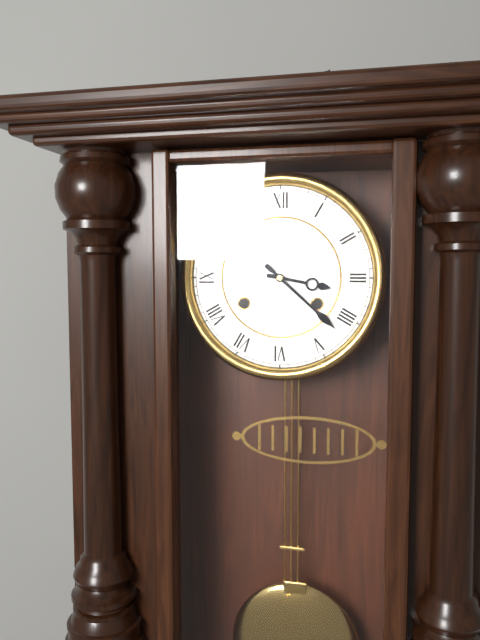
h=3 m=22
